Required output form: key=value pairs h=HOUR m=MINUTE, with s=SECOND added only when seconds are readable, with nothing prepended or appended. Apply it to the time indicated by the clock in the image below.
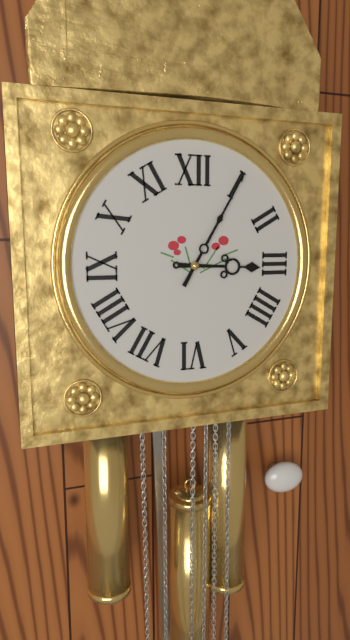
h=3 m=5
